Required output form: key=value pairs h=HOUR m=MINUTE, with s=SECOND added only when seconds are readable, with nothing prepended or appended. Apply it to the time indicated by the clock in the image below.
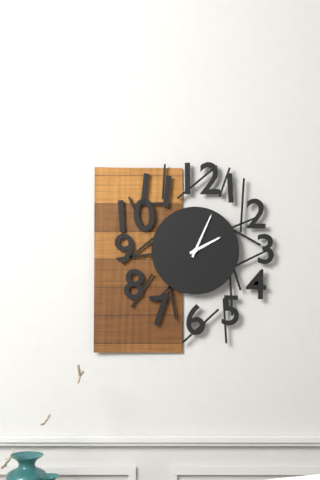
h=2 m=4
